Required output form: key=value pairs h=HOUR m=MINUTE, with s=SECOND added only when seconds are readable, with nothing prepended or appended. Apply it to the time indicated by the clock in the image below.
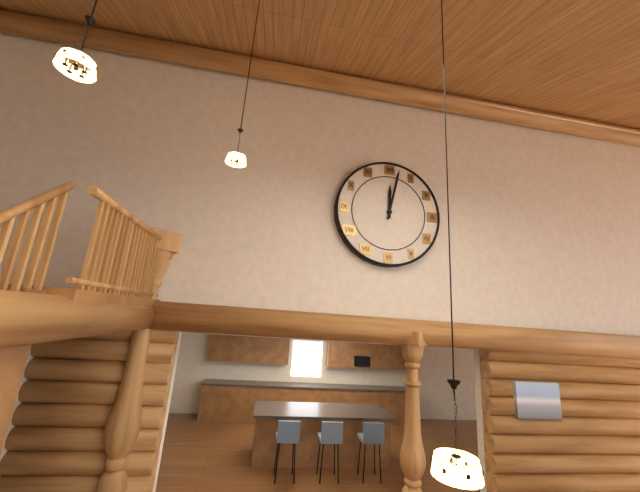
h=12 m=2
